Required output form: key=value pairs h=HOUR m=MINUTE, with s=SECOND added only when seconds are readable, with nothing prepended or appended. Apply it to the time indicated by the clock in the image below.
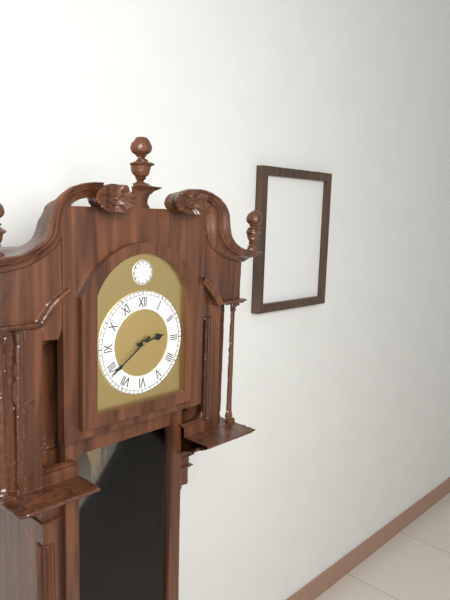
h=2 m=39
